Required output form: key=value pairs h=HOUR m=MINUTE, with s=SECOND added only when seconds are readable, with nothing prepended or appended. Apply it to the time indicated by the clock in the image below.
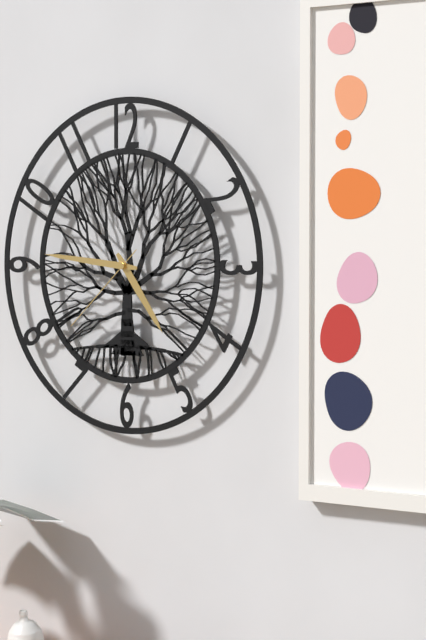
h=4 m=46 s=38
